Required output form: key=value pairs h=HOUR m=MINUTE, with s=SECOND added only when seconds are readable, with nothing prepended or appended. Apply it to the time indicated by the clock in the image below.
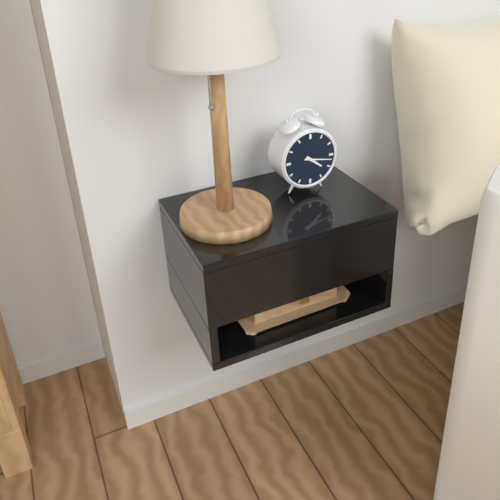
h=4 m=17
